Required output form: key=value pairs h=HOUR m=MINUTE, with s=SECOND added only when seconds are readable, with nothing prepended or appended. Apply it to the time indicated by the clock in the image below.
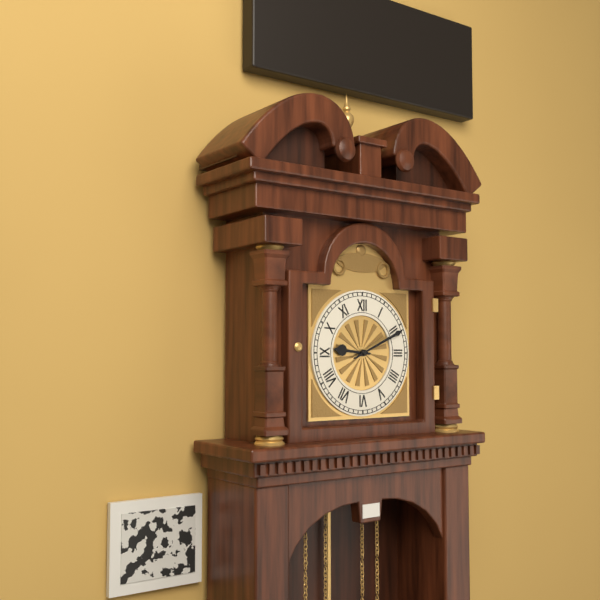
h=9 m=11
